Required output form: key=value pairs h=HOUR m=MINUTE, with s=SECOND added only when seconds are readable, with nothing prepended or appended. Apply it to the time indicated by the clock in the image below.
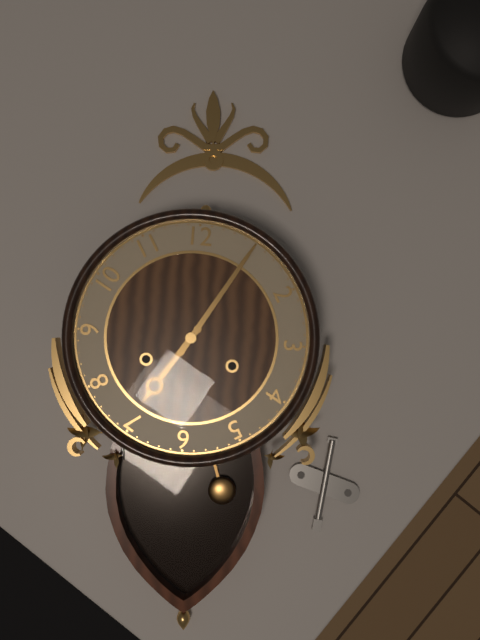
h=7 m=5
